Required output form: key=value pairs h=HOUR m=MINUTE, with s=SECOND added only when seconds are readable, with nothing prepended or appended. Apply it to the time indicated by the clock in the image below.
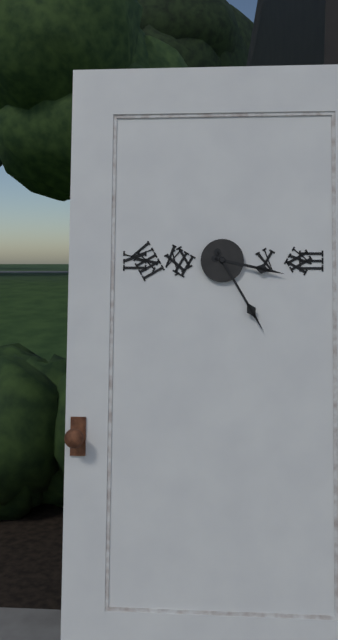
h=3 m=25
